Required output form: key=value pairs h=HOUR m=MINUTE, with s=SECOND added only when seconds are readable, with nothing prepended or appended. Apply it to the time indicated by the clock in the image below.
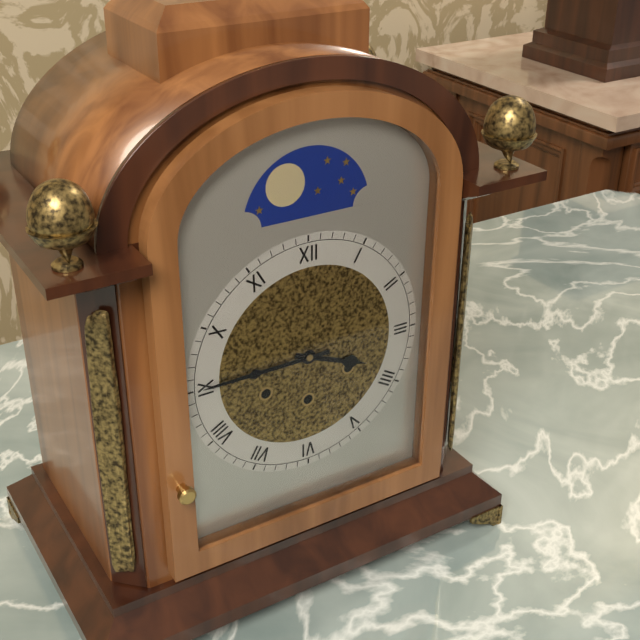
h=3 m=45
